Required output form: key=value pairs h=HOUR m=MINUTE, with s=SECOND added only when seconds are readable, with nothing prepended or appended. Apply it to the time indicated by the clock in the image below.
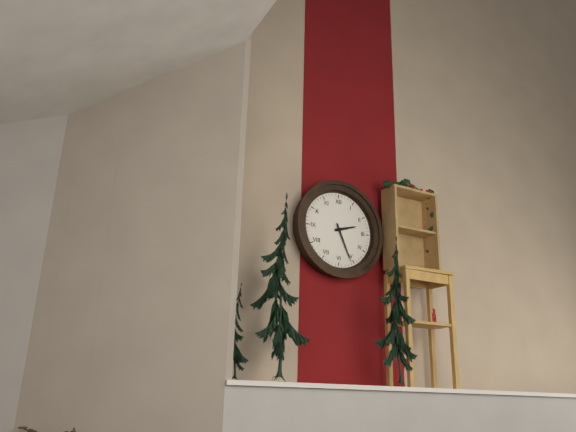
h=2 m=26
